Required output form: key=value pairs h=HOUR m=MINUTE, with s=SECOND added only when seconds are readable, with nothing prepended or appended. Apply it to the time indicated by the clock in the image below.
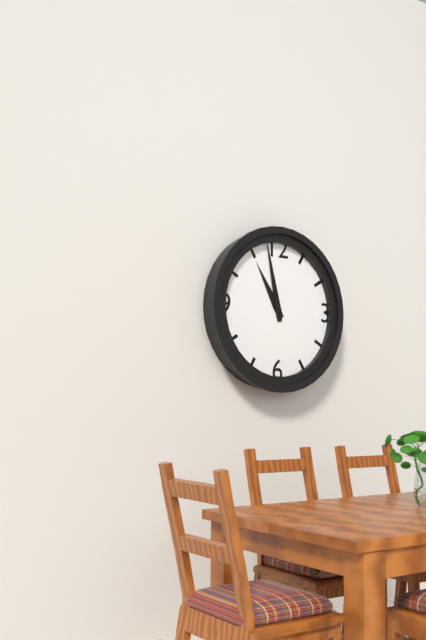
h=10 m=58
